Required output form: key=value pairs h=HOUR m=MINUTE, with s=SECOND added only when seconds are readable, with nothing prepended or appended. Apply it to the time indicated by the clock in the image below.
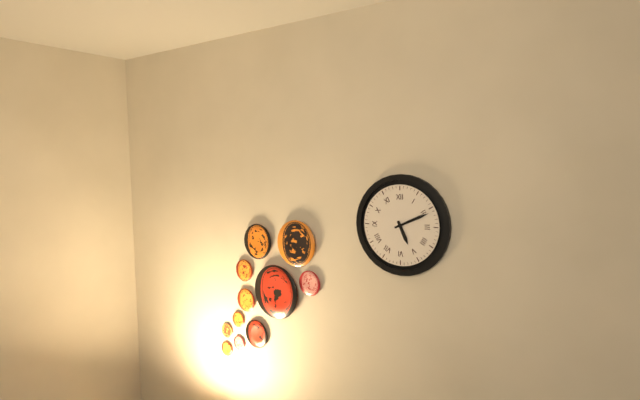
h=5 m=11
